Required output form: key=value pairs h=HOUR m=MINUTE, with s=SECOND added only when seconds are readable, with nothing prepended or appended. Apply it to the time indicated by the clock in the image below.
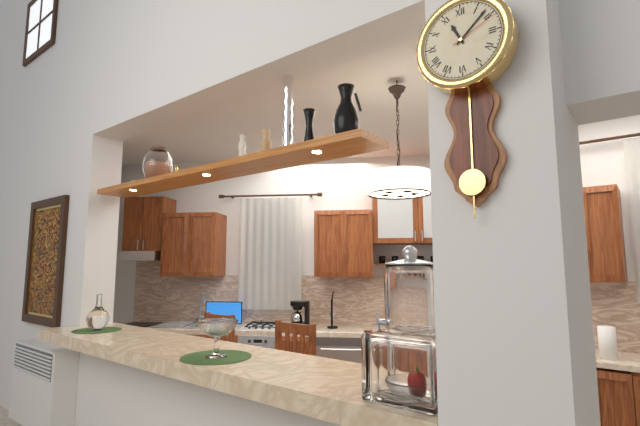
h=11 m=8 s=11
